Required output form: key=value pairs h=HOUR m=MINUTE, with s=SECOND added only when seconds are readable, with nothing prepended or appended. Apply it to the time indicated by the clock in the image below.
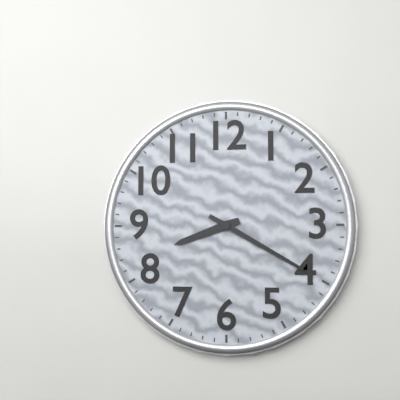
h=8 m=20
